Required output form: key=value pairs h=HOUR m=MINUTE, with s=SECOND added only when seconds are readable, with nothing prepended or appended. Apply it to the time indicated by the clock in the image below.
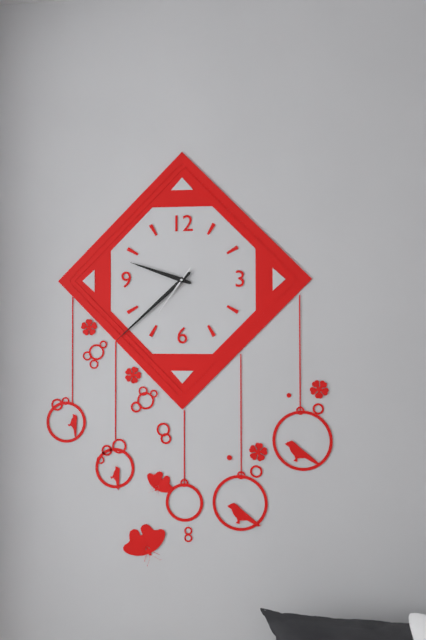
h=9 m=38 s=36
